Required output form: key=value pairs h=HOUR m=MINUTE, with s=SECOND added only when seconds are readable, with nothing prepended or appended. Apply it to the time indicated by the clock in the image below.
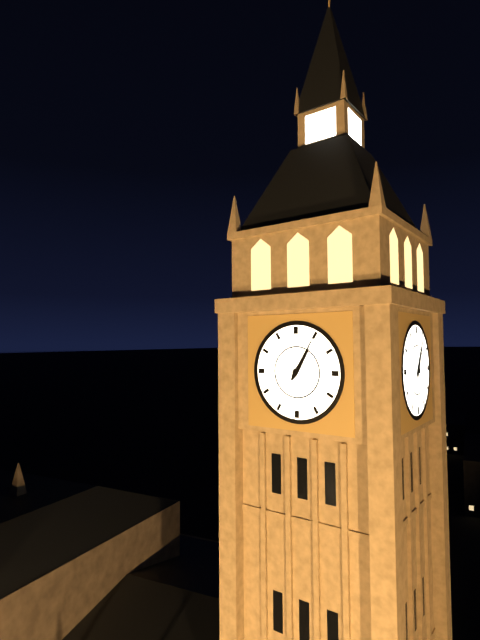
h=1 m=5
